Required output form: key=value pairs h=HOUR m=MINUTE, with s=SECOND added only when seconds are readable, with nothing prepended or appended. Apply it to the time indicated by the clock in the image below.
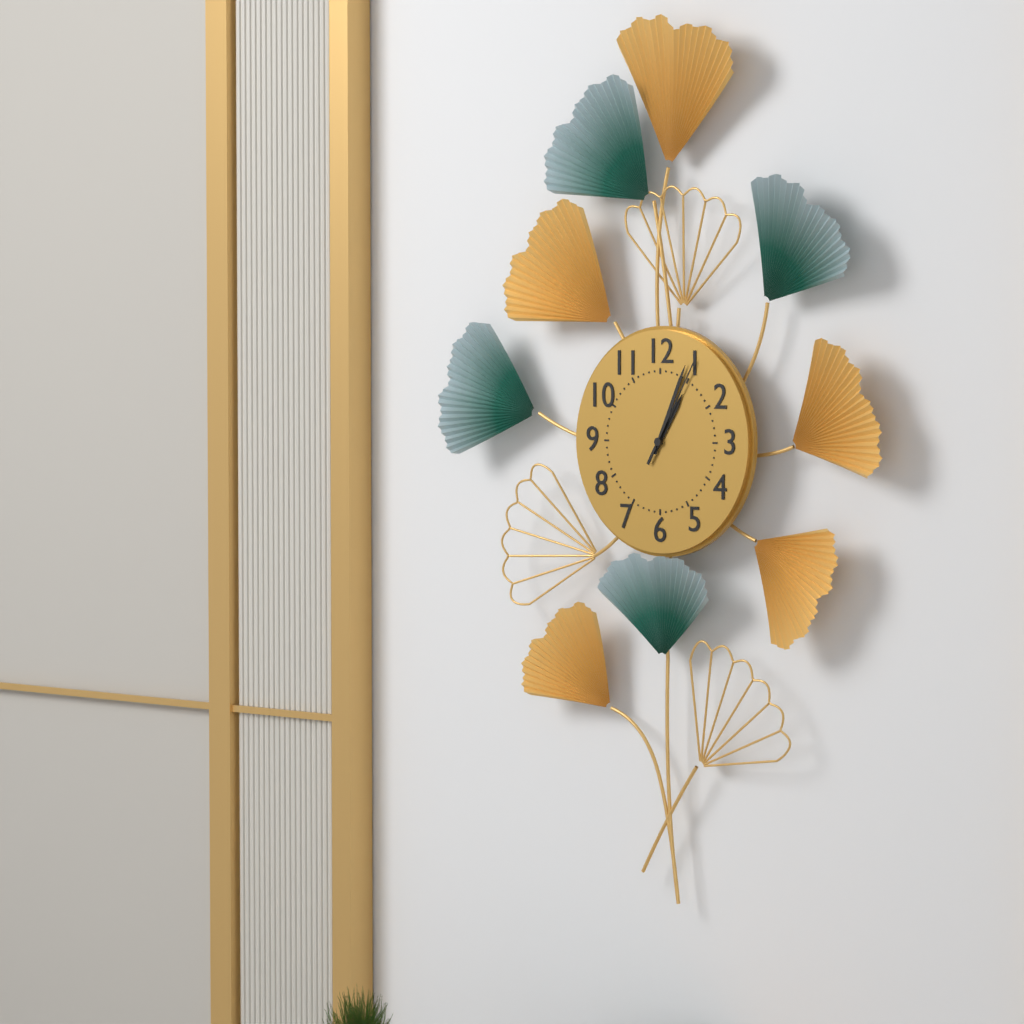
h=1 m=4 s=5
